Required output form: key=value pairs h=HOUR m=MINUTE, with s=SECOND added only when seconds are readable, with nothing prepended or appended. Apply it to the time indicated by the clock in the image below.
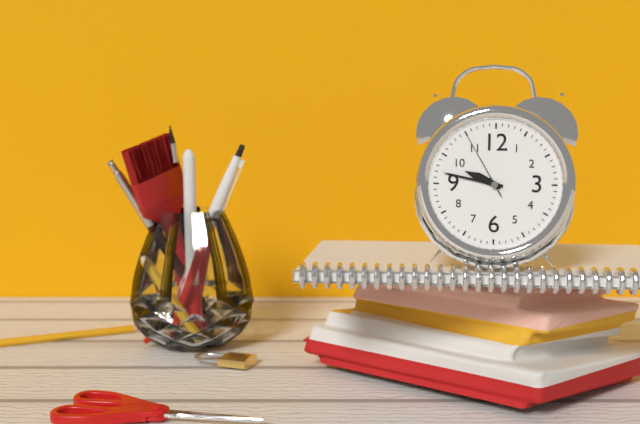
h=9 m=47 s=55
